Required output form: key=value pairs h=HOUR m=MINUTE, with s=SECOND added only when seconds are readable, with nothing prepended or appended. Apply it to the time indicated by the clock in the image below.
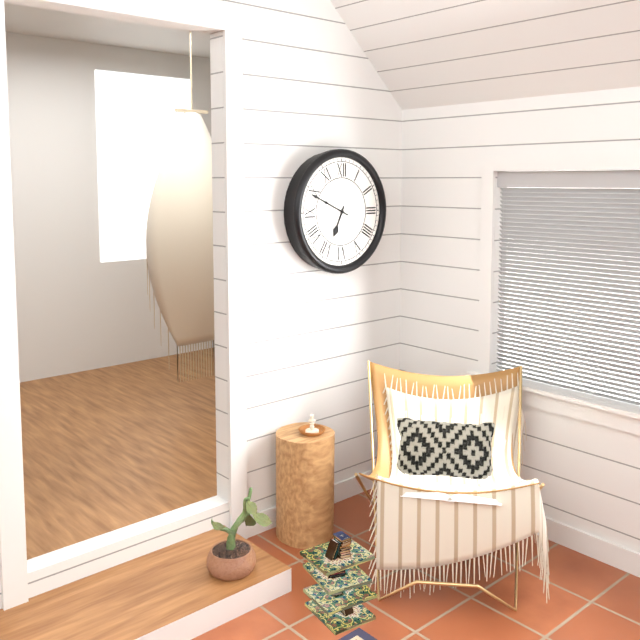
h=6 m=49
